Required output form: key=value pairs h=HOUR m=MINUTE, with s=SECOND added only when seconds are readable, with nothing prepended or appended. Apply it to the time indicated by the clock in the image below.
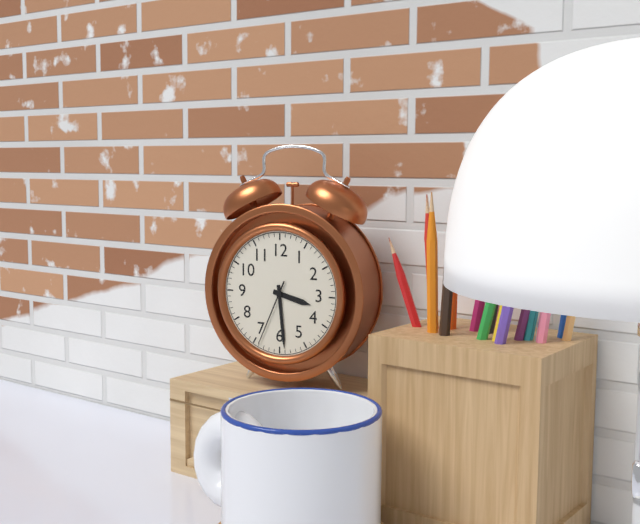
h=3 m=29 s=34
